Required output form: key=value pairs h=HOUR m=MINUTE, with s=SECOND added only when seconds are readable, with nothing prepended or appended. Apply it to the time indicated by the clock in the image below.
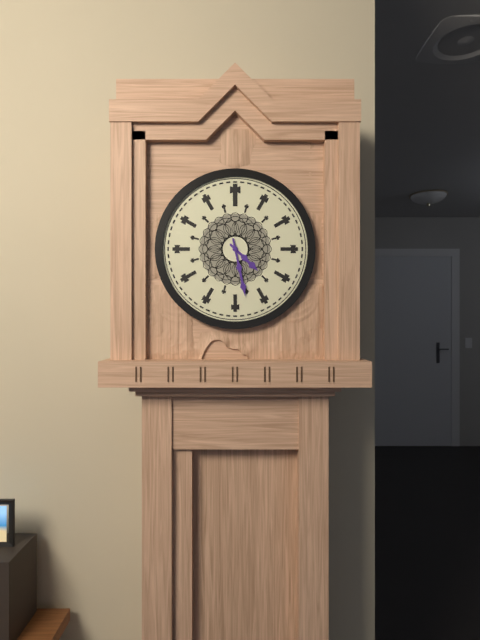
h=4 m=28
